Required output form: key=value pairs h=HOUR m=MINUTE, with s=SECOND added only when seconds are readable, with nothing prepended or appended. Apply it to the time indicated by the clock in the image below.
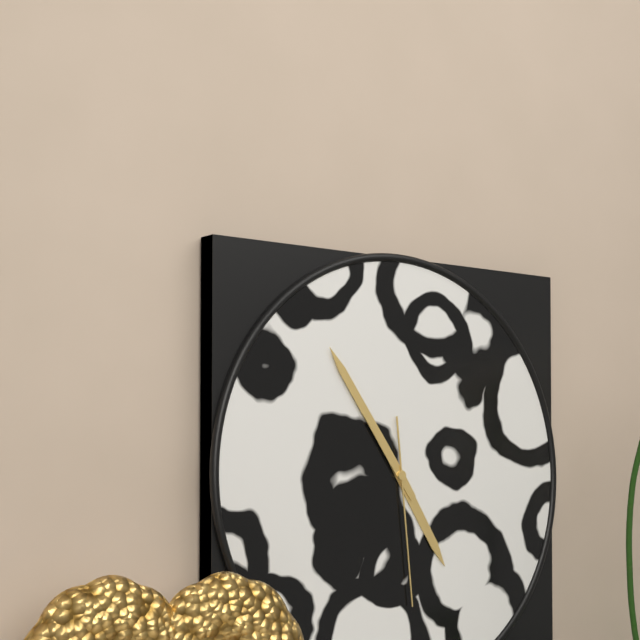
h=4 m=54 s=29
